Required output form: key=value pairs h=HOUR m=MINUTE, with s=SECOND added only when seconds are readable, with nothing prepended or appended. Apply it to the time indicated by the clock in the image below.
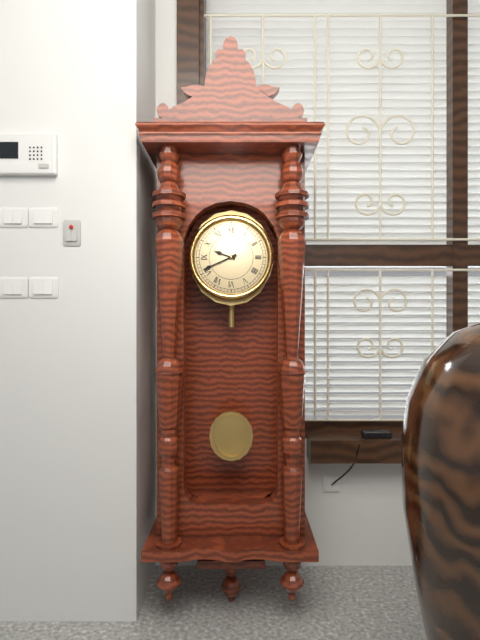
h=9 m=41
